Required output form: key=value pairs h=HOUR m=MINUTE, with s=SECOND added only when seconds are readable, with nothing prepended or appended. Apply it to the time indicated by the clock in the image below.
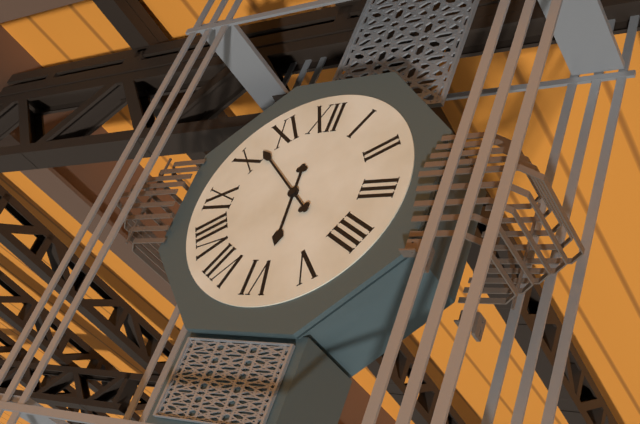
h=5 m=52
